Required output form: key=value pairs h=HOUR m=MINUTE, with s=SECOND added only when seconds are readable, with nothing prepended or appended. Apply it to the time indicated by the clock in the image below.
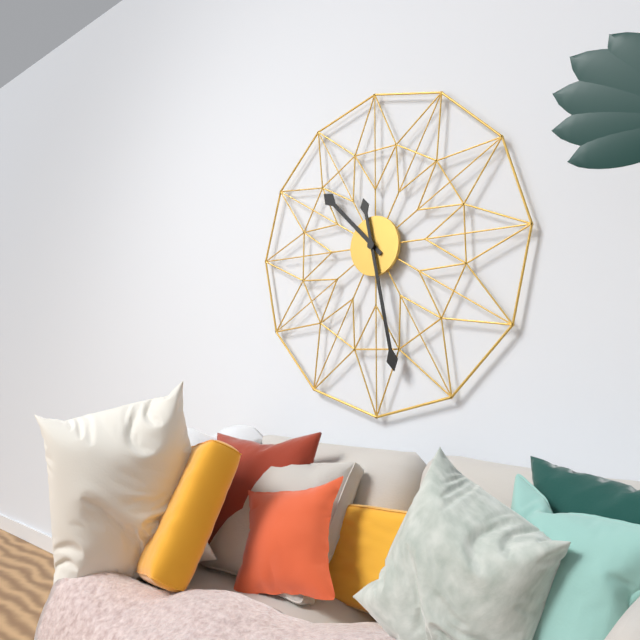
h=10 m=28
